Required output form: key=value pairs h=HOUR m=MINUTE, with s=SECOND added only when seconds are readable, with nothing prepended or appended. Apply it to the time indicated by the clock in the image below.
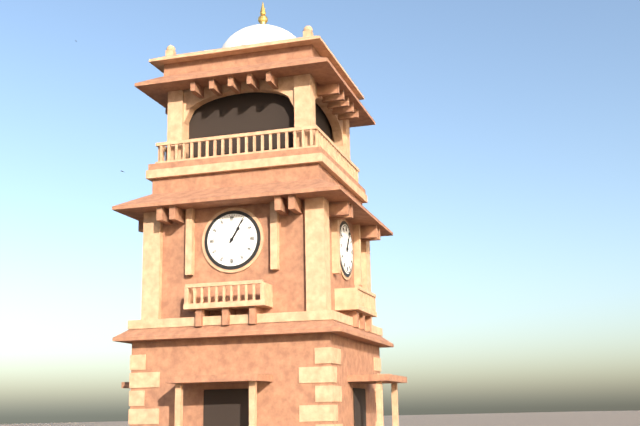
h=1 m=5
